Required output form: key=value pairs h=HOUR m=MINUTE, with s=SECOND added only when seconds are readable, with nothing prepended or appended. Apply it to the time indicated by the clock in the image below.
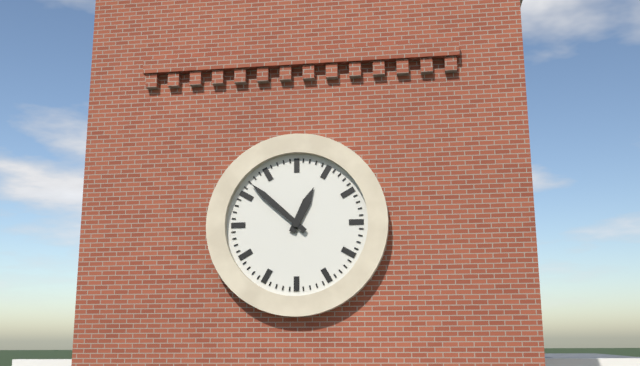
h=12 m=52
